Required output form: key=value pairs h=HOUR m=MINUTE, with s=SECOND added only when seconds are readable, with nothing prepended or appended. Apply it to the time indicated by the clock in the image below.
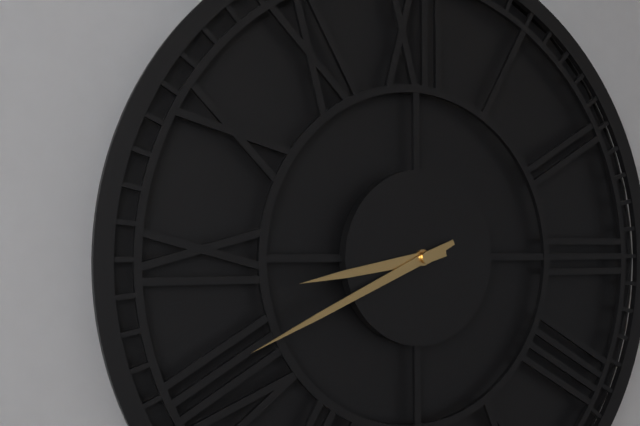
h=8 m=41
